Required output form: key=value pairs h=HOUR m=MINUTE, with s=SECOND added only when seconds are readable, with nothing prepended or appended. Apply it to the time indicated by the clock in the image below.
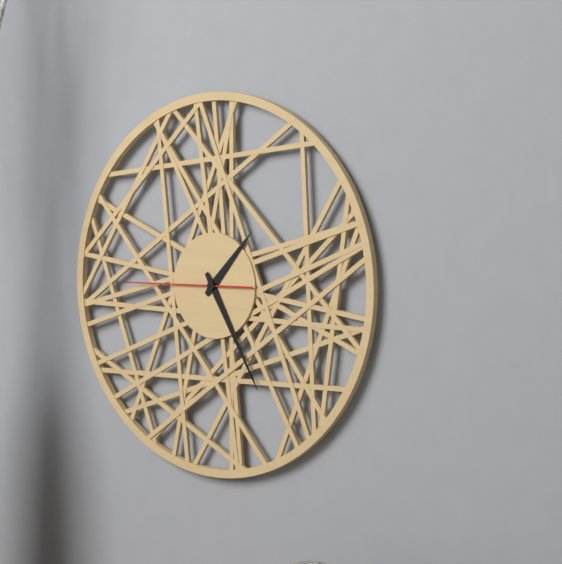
h=1 m=25 s=45
